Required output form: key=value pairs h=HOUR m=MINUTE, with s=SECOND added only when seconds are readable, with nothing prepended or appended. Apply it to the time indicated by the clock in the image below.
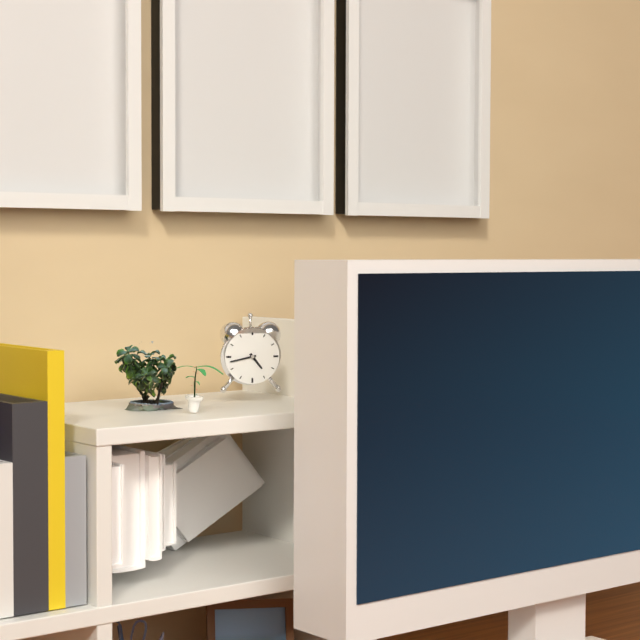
h=4 m=43
